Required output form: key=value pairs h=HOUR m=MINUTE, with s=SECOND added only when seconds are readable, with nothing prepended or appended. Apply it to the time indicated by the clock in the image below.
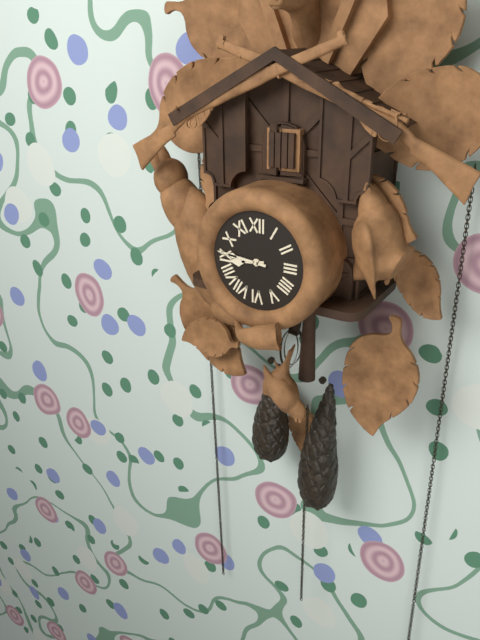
h=8 m=46
